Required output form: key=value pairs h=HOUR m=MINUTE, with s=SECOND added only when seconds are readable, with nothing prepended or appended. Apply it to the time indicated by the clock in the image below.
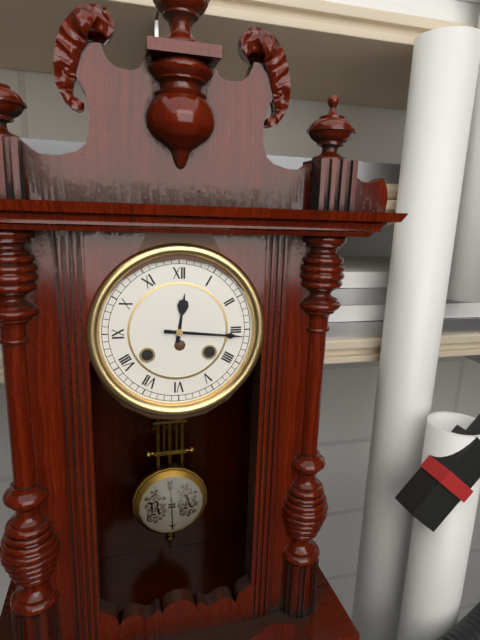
h=12 m=16
